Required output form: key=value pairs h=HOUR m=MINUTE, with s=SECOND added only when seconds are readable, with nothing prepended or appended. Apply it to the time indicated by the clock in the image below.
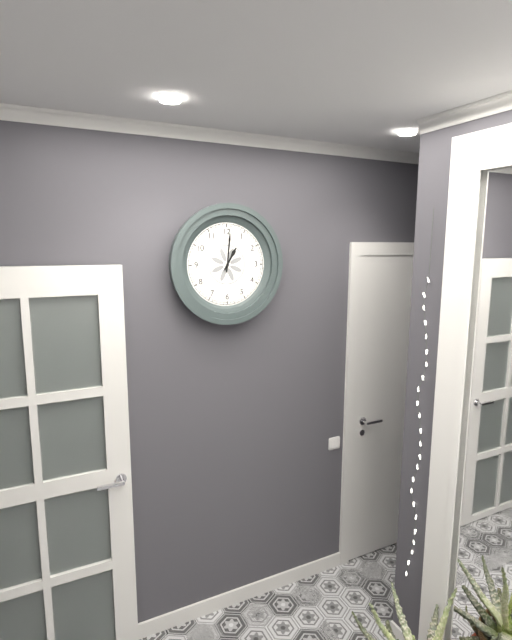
h=1 m=1
